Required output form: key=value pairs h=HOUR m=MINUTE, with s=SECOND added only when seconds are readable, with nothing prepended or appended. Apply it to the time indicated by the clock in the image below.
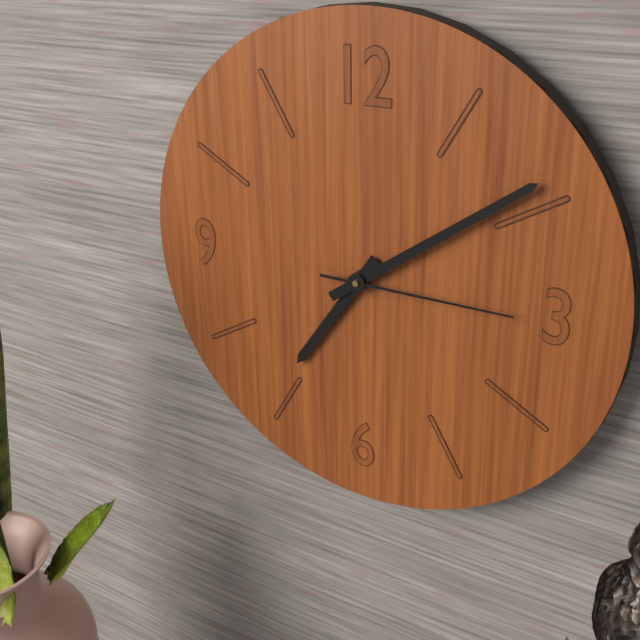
h=7 m=9 s=15
